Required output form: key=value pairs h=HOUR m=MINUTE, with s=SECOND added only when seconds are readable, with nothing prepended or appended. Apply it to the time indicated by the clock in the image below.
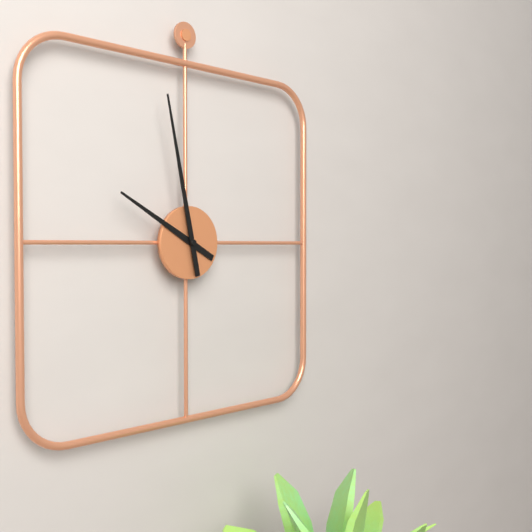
h=9 m=58
